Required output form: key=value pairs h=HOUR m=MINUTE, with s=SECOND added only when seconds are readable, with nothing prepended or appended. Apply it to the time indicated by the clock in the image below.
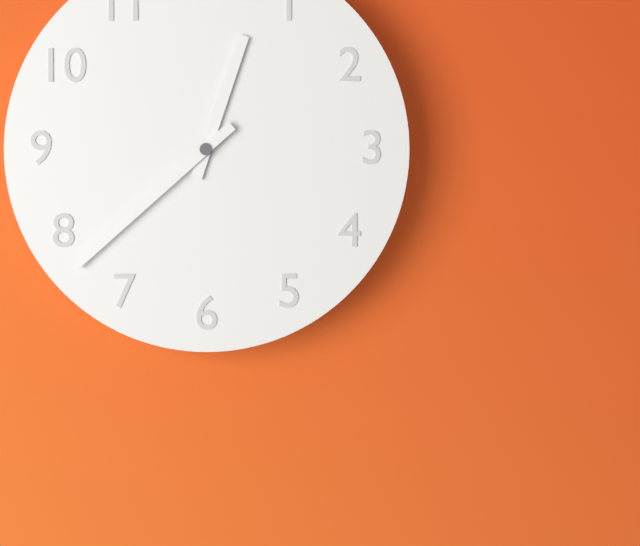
h=12 m=38
